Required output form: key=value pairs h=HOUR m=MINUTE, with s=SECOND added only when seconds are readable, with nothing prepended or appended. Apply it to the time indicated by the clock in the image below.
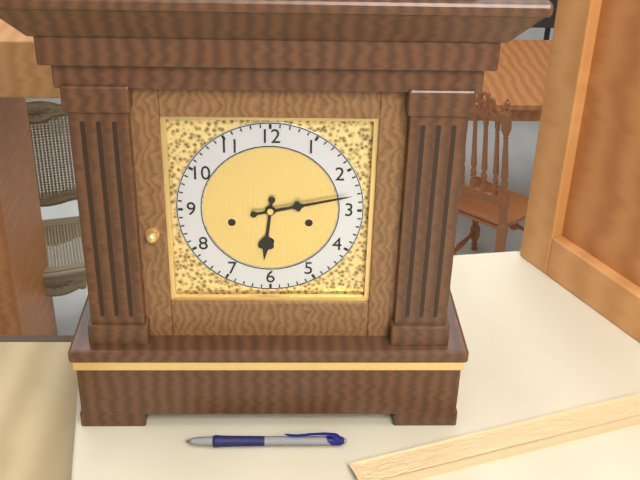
h=6 m=13
